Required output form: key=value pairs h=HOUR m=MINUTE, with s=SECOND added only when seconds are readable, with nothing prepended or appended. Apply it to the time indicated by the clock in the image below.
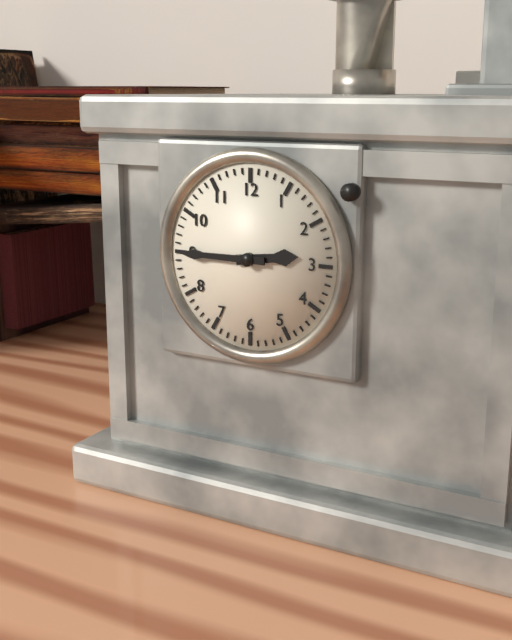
h=2 m=45
